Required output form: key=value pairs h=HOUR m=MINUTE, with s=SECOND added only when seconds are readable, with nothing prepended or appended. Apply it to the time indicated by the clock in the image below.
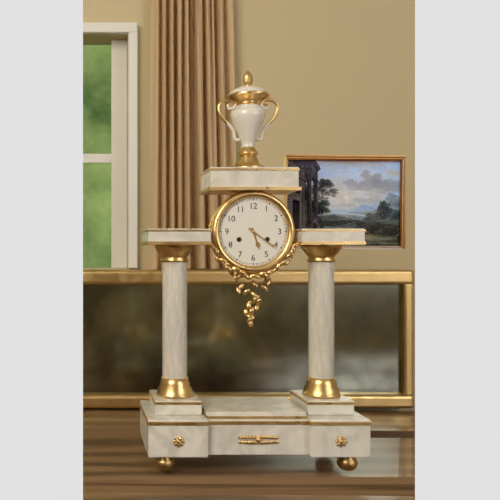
h=5 m=21
